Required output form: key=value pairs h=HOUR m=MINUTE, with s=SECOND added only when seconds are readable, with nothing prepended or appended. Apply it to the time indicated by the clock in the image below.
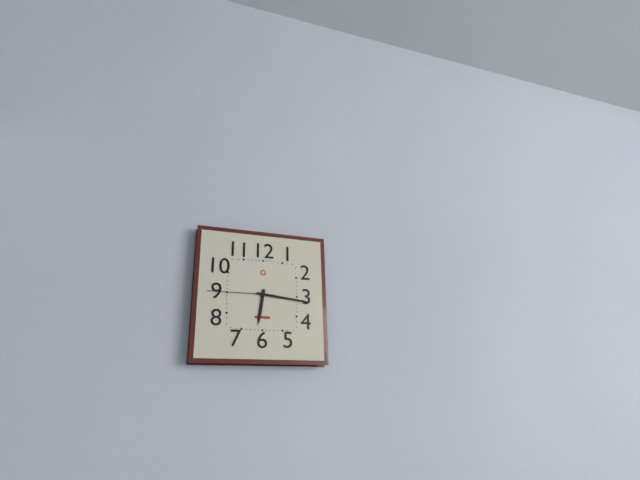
h=6 m=16 s=45
